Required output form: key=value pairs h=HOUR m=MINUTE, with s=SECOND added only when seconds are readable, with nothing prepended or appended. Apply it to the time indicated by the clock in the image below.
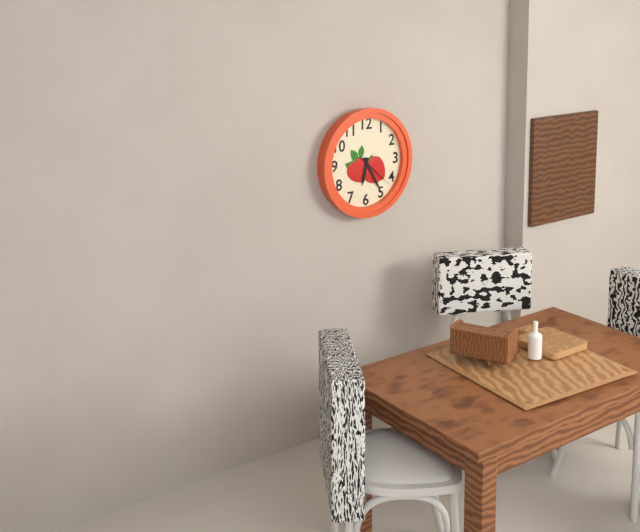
h=6 m=25
